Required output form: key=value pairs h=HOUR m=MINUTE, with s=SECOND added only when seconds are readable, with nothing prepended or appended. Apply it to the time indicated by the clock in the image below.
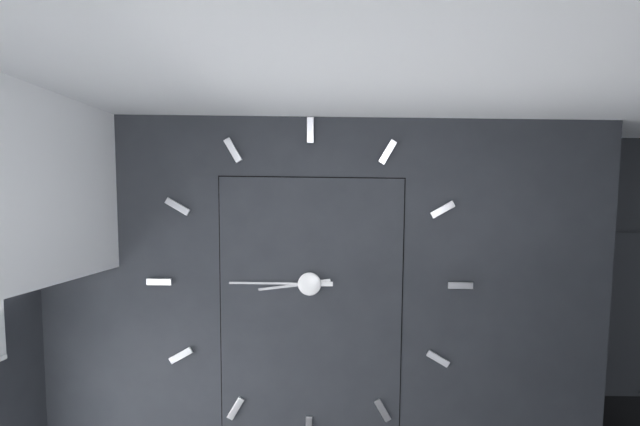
h=8 m=45
